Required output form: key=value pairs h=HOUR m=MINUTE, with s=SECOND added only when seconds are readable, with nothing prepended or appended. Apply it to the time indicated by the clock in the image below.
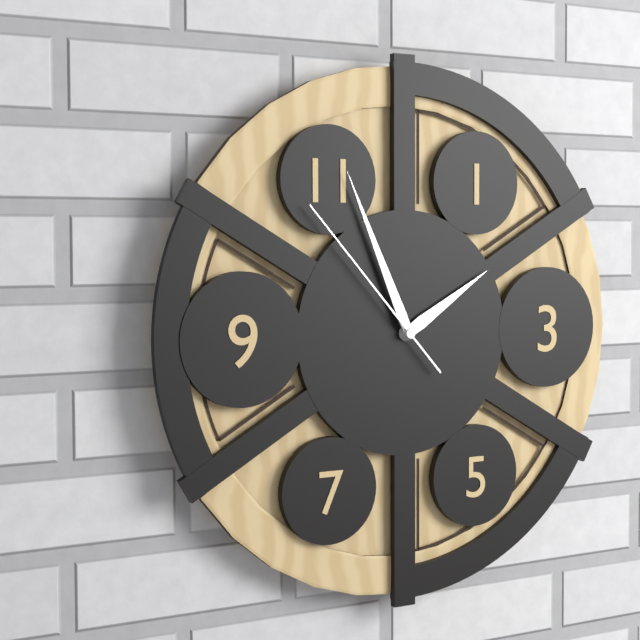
h=1 m=56 s=53
